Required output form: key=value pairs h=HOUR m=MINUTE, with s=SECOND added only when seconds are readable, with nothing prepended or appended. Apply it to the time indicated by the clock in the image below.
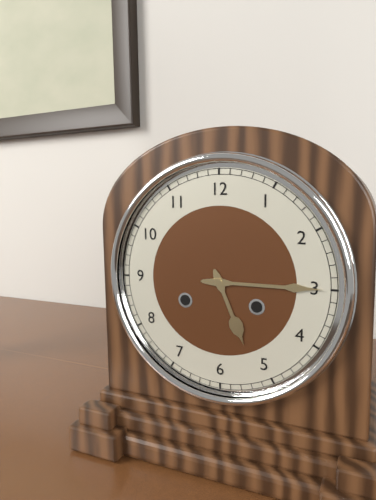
h=5 m=15
